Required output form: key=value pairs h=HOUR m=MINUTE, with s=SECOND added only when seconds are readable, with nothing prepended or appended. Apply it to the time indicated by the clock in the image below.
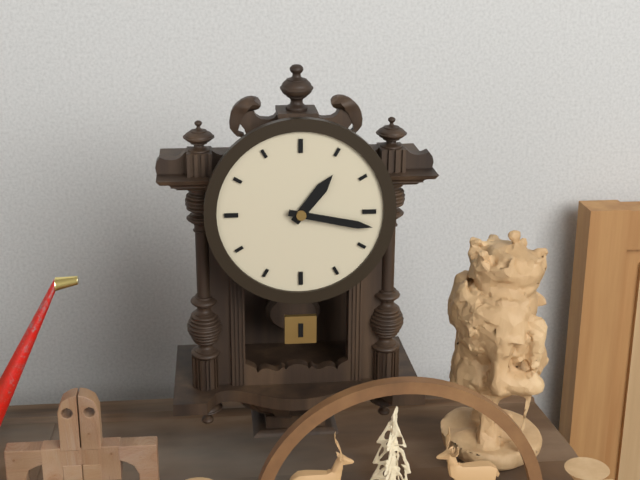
h=1 m=17
